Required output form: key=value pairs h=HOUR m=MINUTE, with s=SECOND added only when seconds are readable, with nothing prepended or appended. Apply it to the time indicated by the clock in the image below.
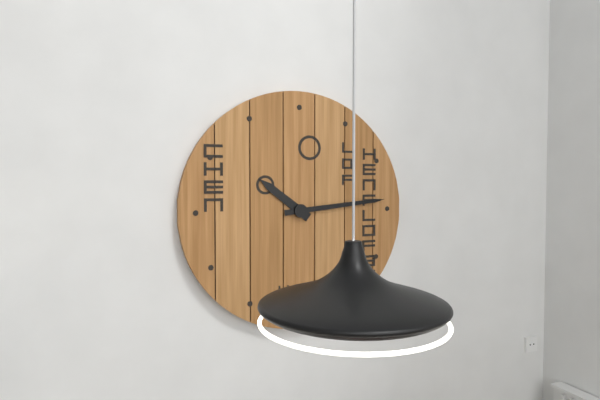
h=10 m=14
